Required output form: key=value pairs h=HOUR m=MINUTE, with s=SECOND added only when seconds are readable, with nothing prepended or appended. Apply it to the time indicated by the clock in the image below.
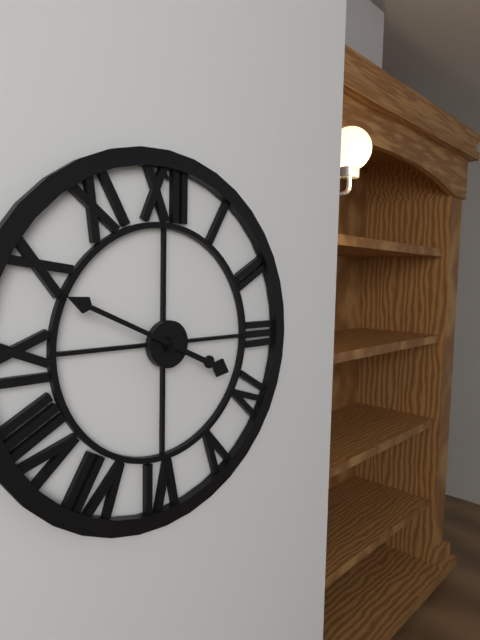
h=3 m=49
